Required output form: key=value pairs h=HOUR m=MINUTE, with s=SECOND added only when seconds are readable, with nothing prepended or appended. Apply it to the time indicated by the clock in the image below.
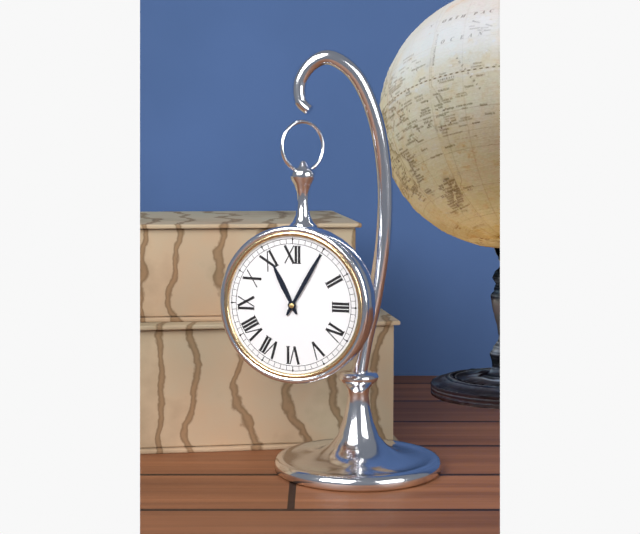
h=11 m=5
